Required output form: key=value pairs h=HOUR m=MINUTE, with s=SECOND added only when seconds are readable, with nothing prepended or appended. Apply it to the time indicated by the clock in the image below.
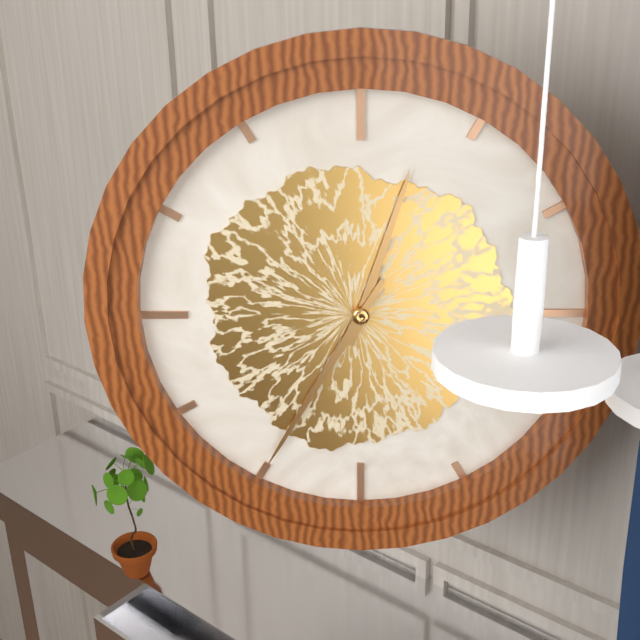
h=12 m=35
